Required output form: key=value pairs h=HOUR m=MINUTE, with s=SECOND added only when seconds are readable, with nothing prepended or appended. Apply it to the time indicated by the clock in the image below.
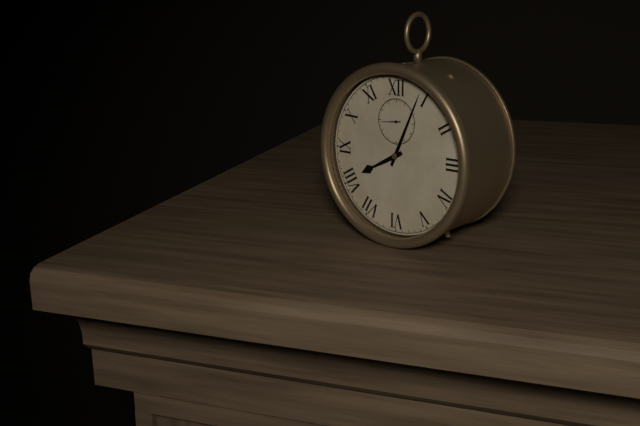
h=8 m=4
